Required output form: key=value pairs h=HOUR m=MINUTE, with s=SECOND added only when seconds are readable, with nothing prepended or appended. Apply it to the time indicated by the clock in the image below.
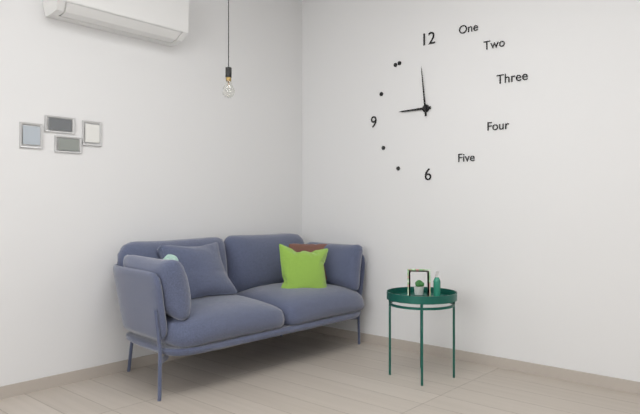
h=8 m=59
